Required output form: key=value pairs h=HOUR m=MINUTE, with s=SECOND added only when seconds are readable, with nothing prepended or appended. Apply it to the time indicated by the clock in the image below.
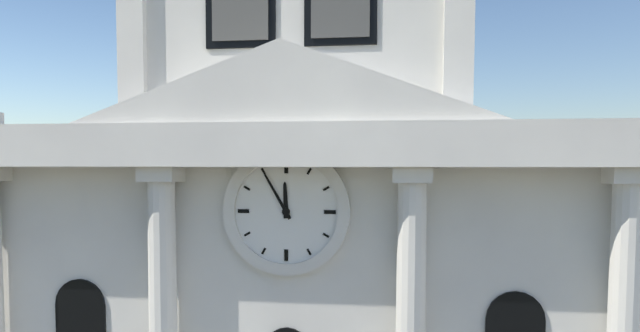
h=11 m=55
